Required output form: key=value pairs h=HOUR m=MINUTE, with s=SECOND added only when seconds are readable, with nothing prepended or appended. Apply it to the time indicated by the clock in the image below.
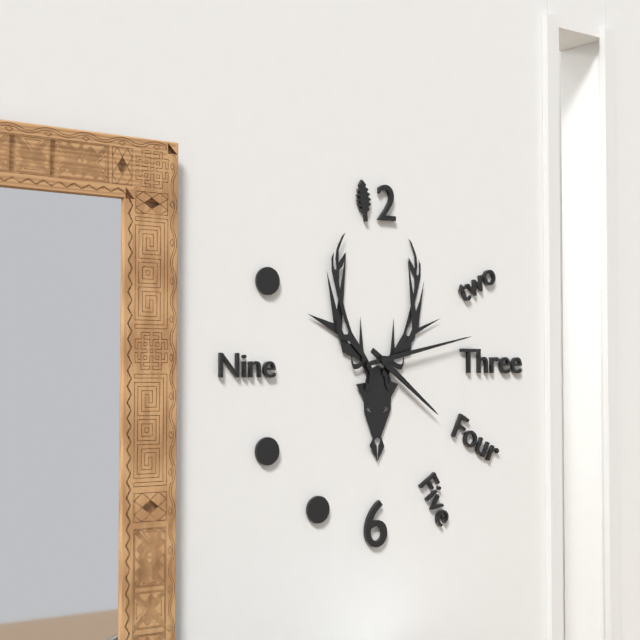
h=4 m=13
